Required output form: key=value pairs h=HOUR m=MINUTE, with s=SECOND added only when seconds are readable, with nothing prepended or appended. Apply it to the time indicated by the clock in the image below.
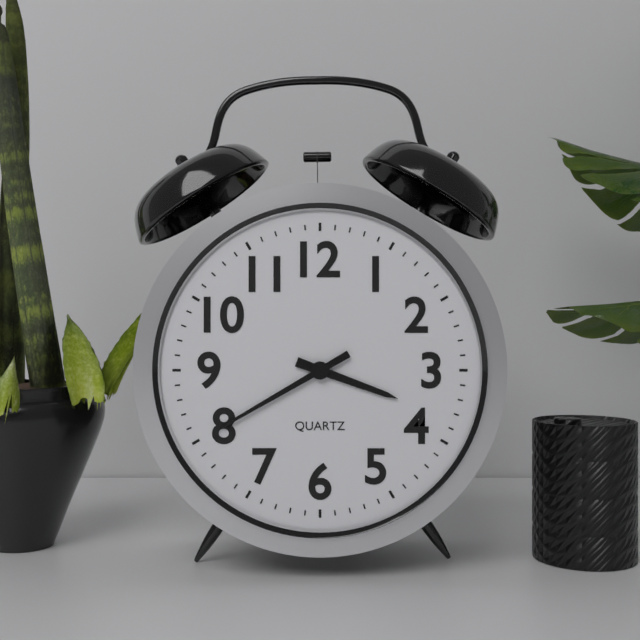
h=3 m=40
